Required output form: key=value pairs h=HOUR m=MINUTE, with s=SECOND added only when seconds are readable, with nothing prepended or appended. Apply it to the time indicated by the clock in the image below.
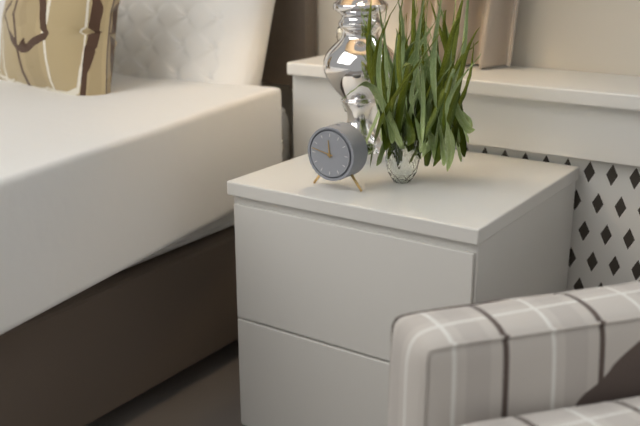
h=11 m=47
